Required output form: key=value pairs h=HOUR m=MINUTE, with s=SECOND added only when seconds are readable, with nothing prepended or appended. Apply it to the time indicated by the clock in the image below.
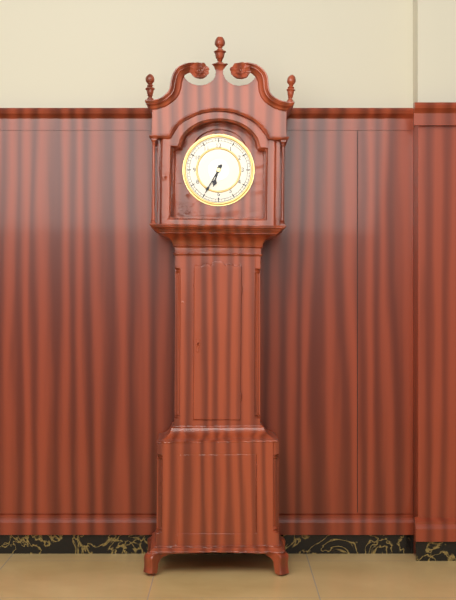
h=6 m=35
